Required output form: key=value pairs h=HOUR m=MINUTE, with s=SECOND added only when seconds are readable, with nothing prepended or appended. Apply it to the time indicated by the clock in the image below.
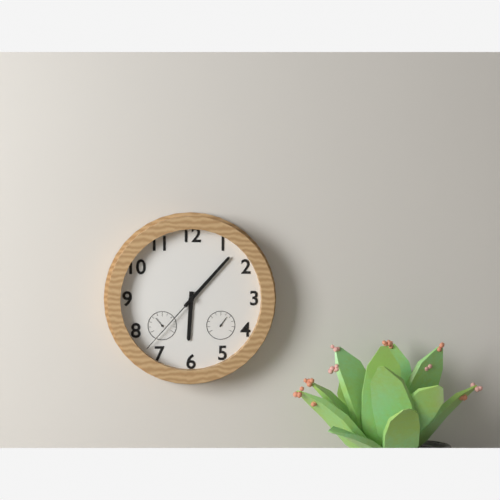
h=6 m=7 s=37
